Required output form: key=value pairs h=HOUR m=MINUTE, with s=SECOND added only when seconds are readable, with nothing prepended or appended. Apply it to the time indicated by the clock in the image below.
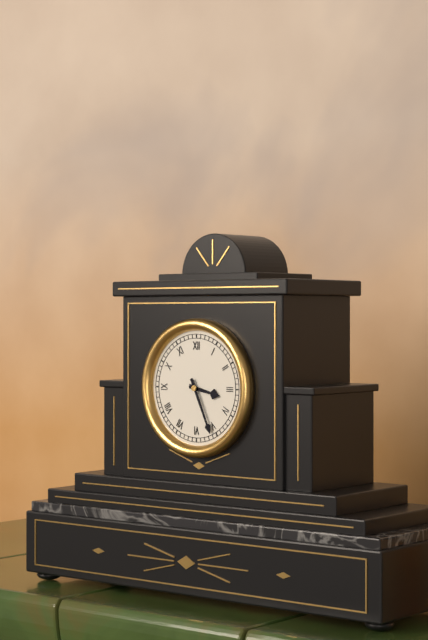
h=3 m=26
